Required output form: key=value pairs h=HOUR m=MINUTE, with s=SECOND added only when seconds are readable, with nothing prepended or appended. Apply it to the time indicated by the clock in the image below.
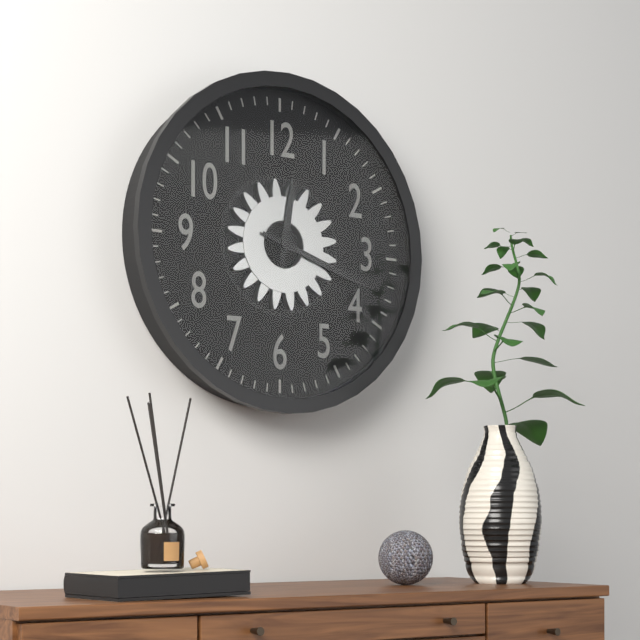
h=12 m=18
